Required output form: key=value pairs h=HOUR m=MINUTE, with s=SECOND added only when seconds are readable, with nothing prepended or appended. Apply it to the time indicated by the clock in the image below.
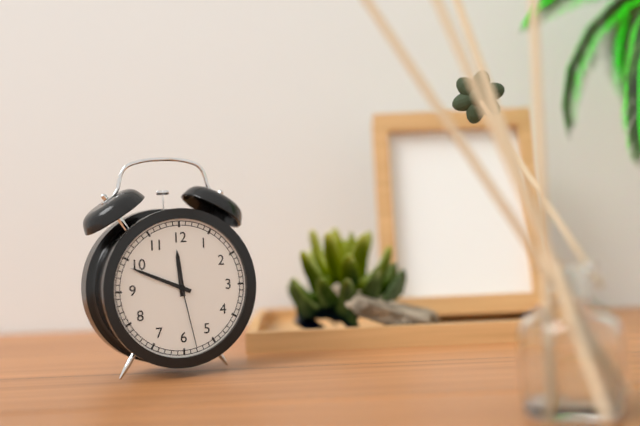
h=11 m=49 s=28
